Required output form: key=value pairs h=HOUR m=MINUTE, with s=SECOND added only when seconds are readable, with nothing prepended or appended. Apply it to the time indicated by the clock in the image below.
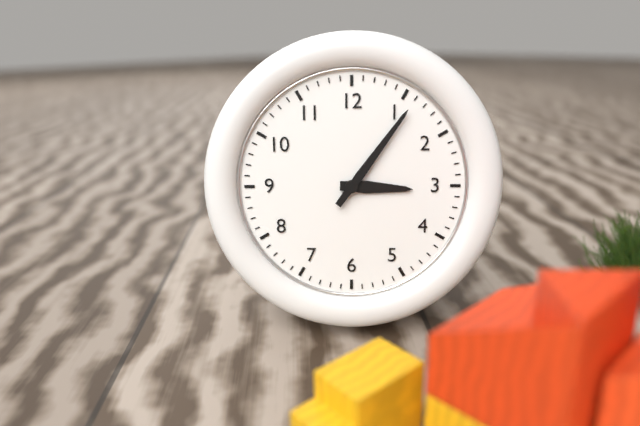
h=3 m=6
